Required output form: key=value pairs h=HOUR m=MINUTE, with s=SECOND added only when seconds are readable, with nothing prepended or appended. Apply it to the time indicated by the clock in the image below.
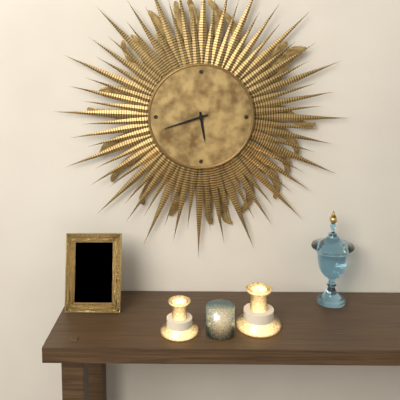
h=5 m=42
